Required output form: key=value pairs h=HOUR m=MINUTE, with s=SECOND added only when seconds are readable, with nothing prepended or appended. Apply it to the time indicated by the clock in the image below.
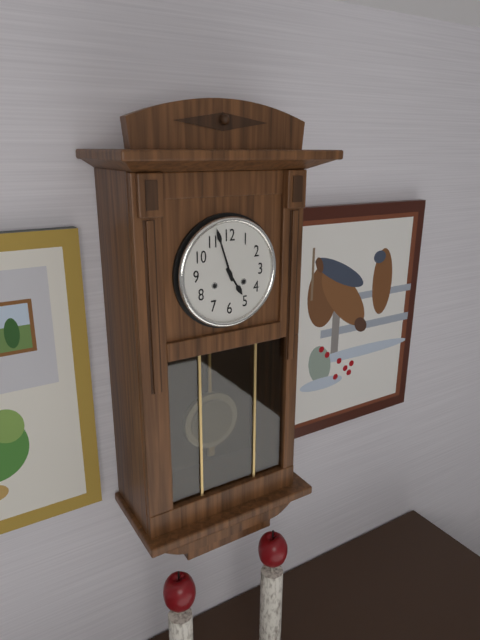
h=4 m=57
